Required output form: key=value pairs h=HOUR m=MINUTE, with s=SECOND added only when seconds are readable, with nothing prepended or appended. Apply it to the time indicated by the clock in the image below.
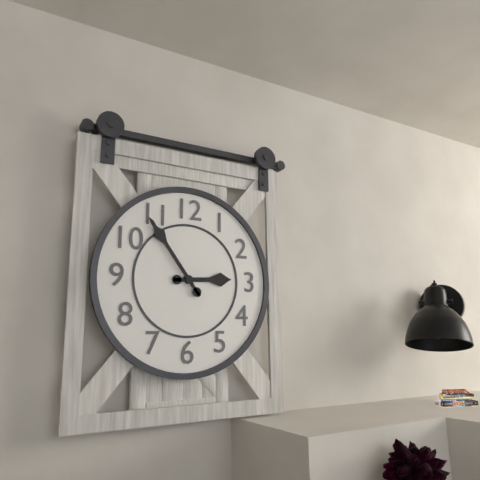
h=2 m=54
